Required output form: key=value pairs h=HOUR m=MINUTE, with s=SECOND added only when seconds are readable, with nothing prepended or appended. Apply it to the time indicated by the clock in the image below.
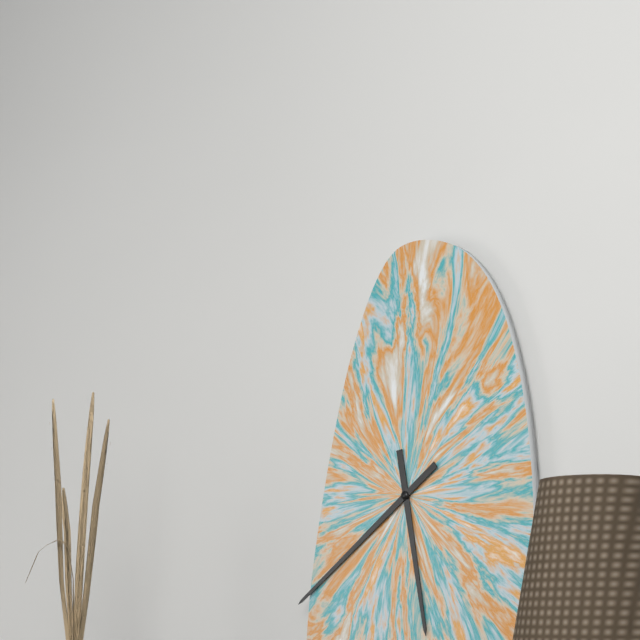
h=5 m=39
